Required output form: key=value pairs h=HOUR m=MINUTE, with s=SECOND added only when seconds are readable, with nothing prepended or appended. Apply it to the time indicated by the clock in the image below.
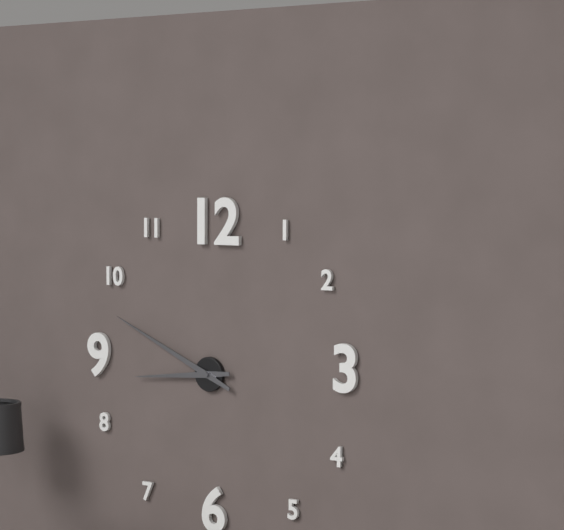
h=8 m=49
